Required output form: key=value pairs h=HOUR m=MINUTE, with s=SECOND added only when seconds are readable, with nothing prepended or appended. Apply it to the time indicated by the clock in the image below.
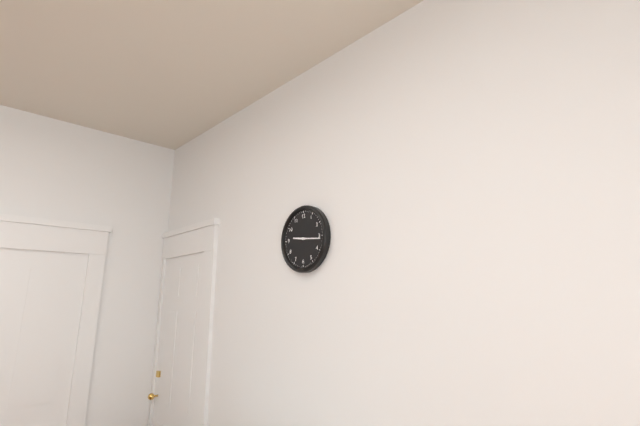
h=9 m=16
